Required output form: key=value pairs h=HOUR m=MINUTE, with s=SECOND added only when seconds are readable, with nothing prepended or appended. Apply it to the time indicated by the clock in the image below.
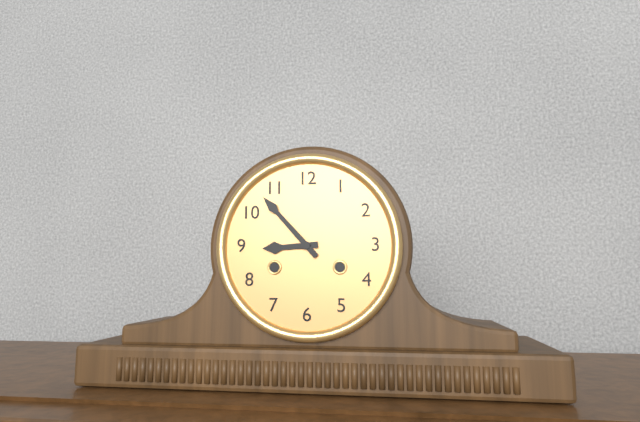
h=8 m=53
